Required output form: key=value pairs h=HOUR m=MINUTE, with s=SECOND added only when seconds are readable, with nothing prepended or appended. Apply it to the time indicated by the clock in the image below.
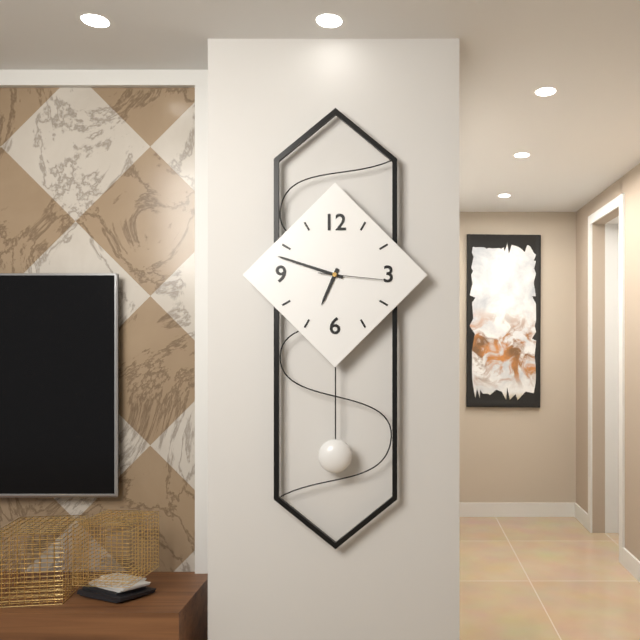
h=6 m=48 s=16
